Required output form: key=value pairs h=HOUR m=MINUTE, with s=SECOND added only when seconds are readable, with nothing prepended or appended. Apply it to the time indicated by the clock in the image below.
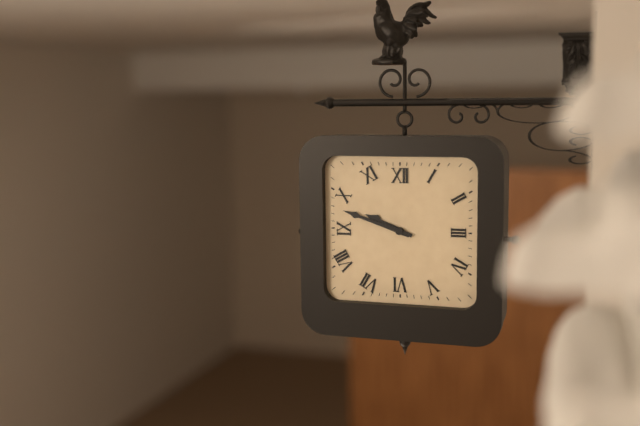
h=9 m=48
